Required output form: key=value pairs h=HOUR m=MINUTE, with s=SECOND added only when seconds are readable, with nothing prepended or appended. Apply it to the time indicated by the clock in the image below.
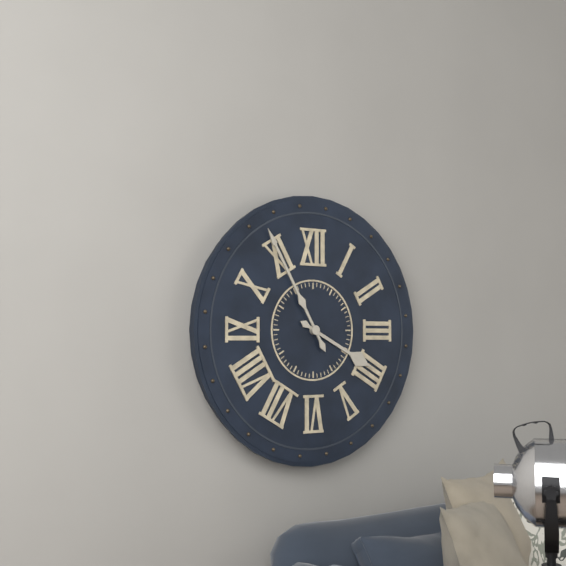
h=3 m=55
